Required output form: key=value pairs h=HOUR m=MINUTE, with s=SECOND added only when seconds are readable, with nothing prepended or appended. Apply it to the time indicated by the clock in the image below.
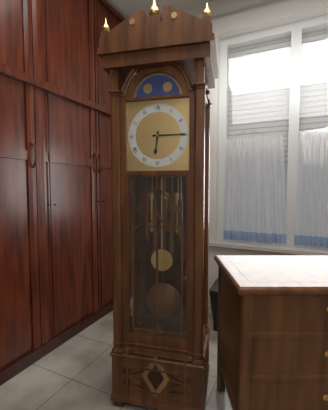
h=6 m=15
